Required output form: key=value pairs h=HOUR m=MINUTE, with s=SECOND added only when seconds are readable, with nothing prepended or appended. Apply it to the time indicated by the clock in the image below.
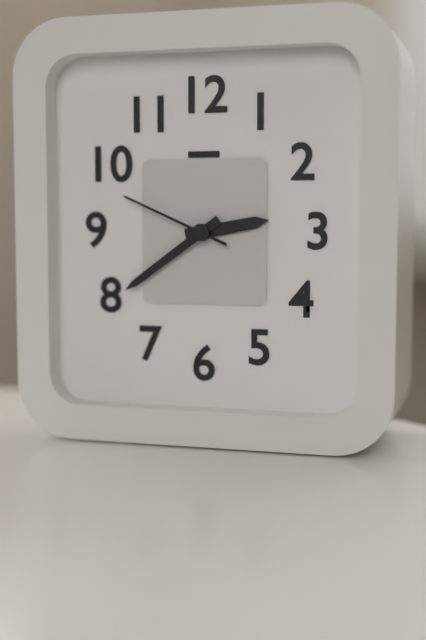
h=2 m=39 s=49
